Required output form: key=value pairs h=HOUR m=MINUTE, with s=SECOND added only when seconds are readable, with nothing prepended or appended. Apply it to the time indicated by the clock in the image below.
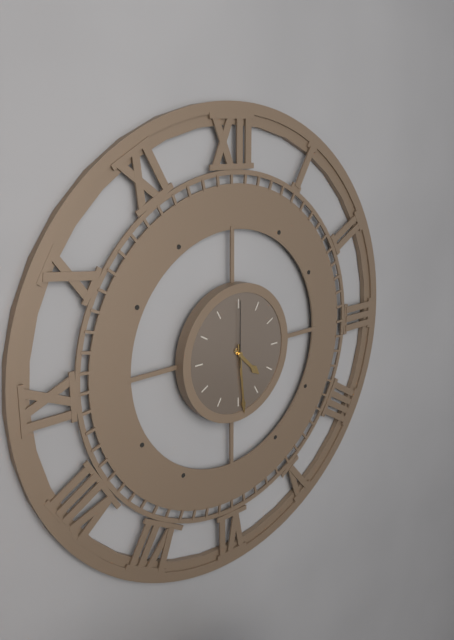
h=4 m=29 s=0
